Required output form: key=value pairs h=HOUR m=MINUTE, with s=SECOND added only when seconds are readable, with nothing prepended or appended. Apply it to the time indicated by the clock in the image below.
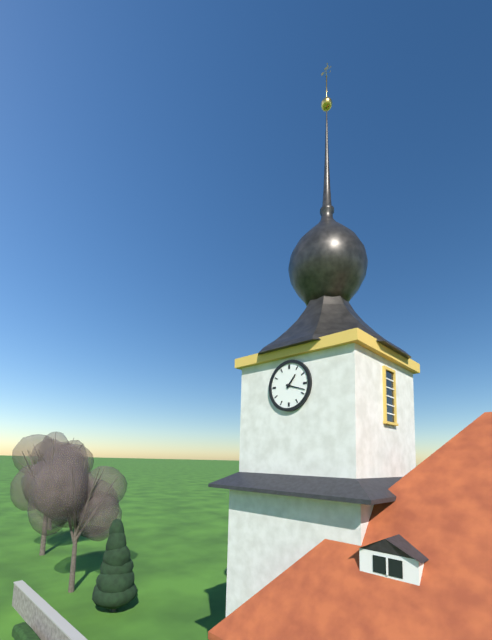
h=1 m=18
